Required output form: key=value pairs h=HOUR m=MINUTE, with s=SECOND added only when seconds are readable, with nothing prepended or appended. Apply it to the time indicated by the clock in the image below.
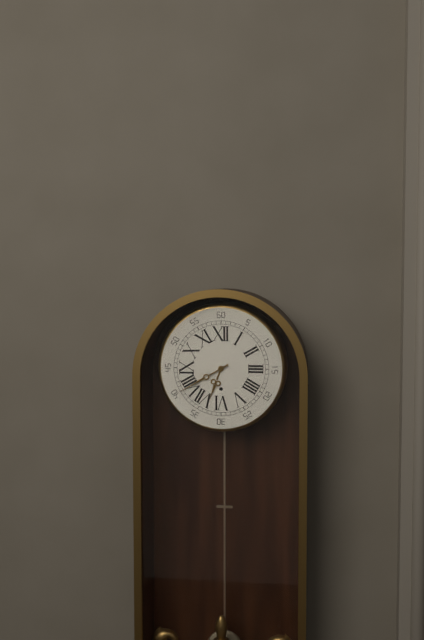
h=6 m=40
